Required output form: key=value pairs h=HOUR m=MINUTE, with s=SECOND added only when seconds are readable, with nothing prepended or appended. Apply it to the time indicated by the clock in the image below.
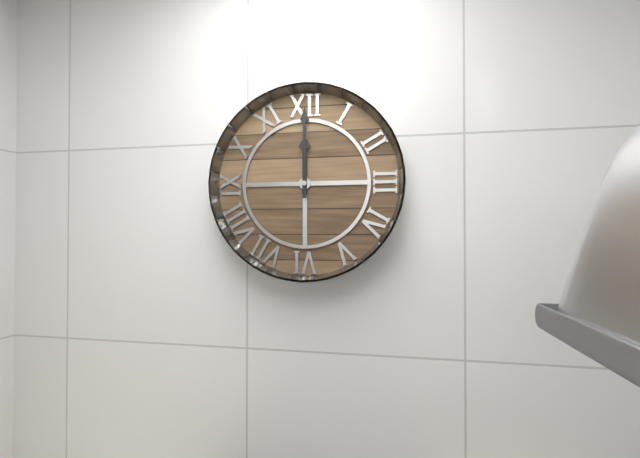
h=12 m=0
